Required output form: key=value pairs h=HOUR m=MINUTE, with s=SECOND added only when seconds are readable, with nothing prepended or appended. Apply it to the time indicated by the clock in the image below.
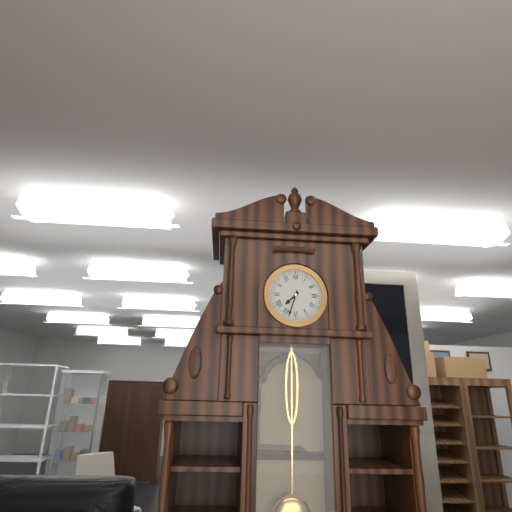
h=7 m=33
